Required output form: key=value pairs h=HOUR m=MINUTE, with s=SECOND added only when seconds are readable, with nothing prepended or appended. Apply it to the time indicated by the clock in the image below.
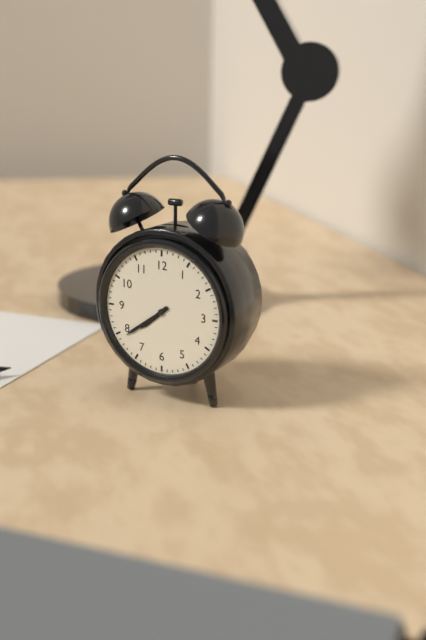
h=7 m=39
